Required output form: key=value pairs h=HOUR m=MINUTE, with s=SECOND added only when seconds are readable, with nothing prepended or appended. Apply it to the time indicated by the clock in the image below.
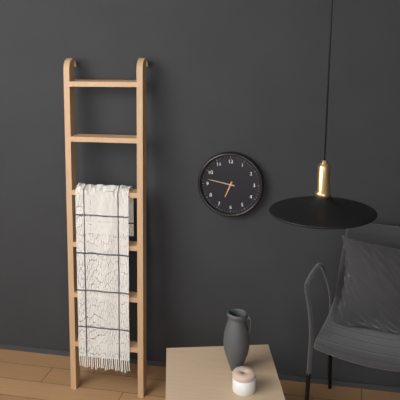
h=6 m=47
